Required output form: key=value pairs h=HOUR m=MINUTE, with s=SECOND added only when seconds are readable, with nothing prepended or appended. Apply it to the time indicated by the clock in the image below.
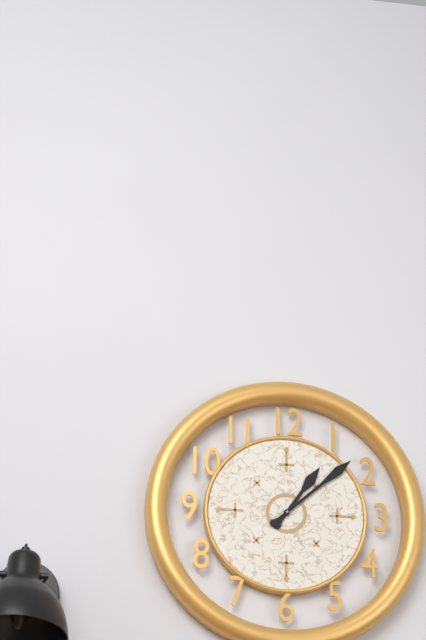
h=1 m=8
